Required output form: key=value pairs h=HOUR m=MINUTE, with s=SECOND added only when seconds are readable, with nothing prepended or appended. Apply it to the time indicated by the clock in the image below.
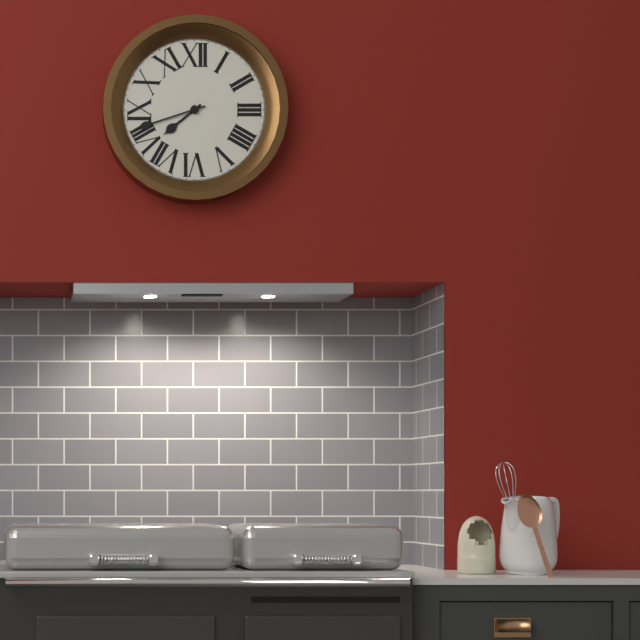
h=7 m=42
